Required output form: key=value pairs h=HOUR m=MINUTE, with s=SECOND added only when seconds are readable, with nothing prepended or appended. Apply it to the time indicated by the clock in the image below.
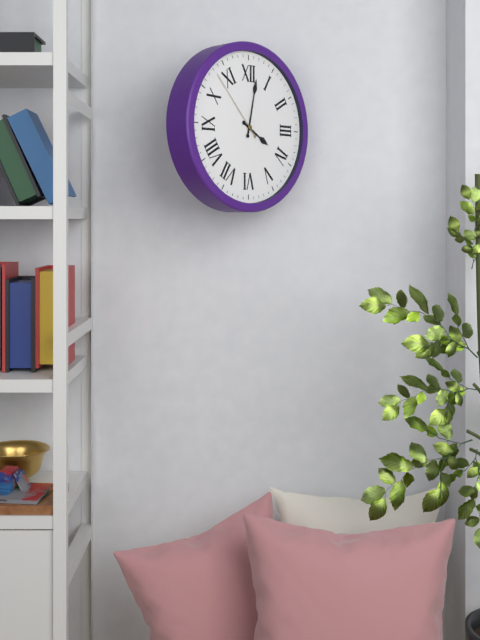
h=4 m=2 s=53
